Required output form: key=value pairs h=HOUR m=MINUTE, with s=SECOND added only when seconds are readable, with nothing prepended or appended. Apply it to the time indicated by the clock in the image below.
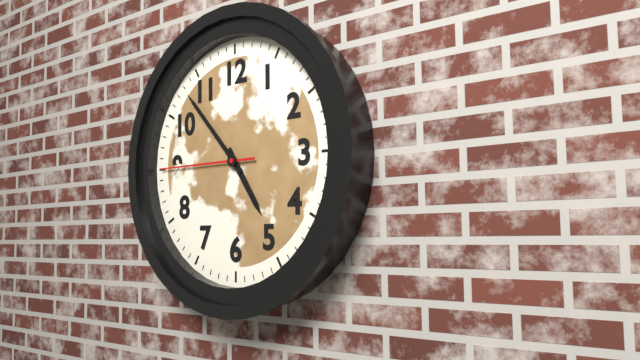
h=4 m=53 s=45
